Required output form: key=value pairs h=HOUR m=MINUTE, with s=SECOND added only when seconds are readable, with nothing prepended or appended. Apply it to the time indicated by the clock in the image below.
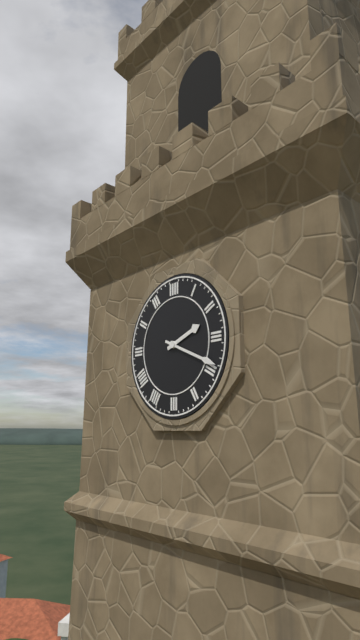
h=2 m=19
